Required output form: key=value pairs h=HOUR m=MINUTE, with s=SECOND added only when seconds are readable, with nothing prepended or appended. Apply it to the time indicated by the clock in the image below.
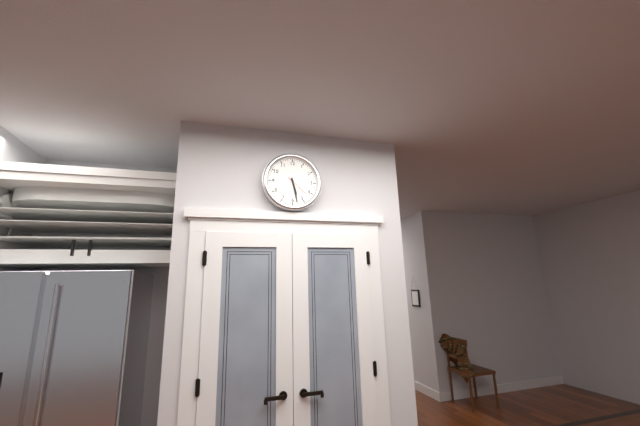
h=5 m=28
